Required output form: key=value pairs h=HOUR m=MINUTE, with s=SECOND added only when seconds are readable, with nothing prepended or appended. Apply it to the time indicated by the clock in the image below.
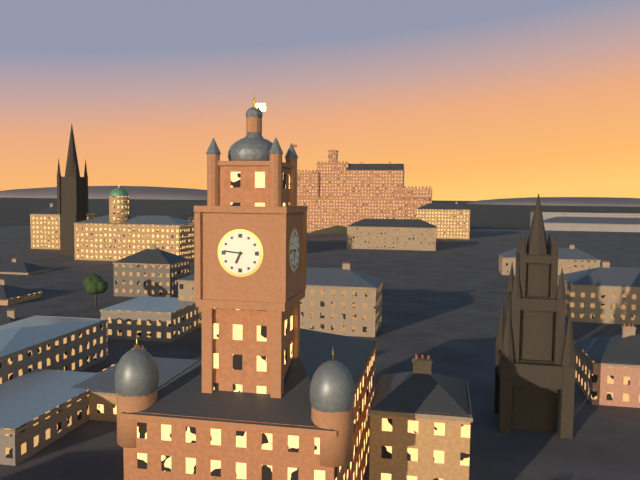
h=6 m=46
